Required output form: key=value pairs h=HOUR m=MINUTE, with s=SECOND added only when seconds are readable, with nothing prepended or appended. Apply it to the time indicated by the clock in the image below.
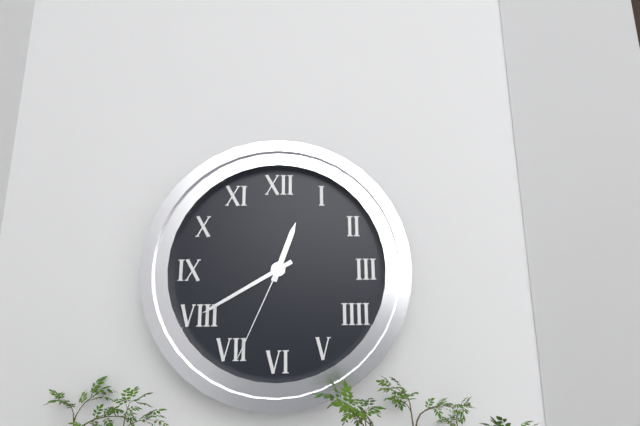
h=12 m=40 s=34
